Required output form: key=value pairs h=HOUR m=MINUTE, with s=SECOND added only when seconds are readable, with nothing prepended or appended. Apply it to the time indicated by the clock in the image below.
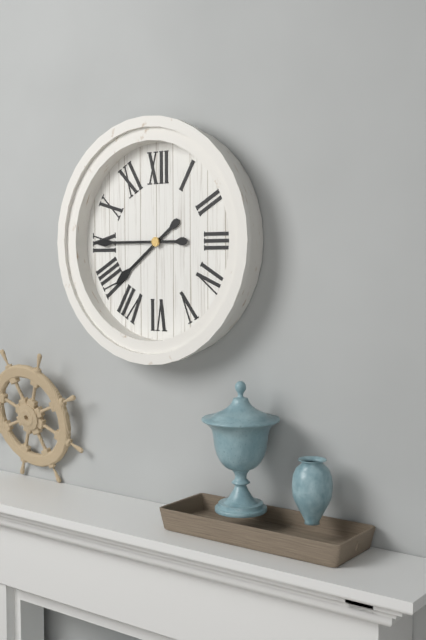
h=7 m=45
